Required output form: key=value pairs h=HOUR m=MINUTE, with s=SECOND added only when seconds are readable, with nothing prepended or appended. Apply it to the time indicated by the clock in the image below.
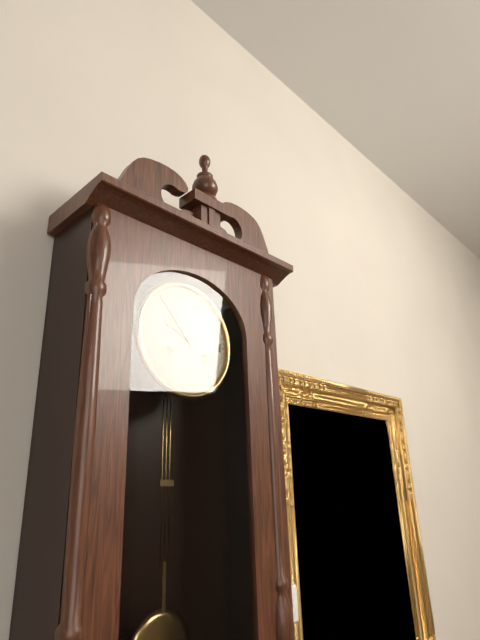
h=9 m=53
